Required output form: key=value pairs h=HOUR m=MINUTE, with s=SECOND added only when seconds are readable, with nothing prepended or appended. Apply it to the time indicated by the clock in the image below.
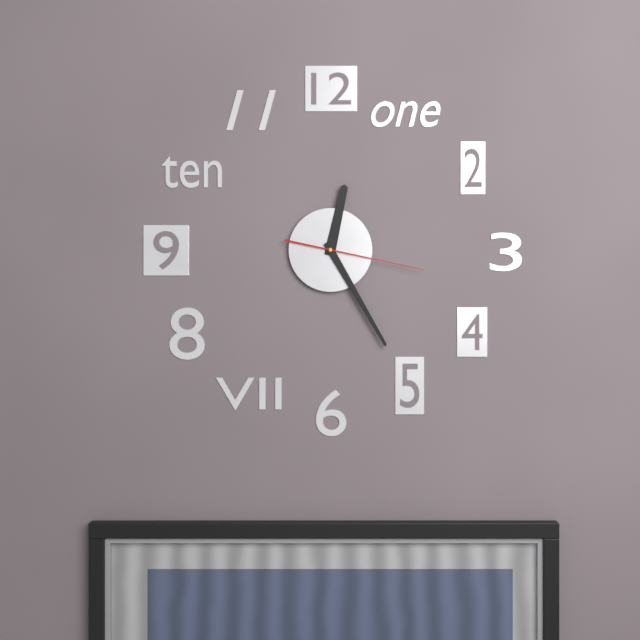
h=12 m=25 s=17
